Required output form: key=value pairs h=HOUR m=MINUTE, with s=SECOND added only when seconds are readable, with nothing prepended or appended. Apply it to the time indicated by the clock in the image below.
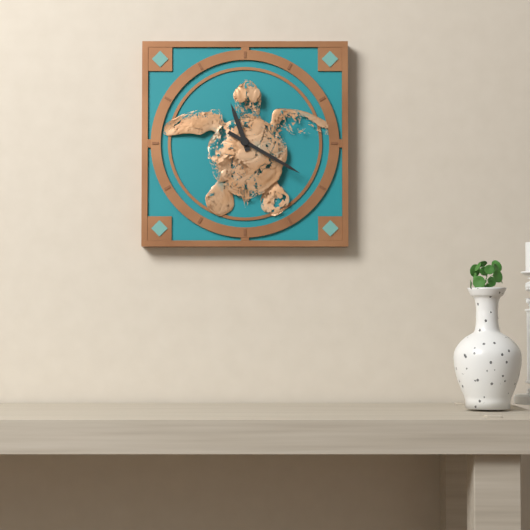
h=11 m=20
